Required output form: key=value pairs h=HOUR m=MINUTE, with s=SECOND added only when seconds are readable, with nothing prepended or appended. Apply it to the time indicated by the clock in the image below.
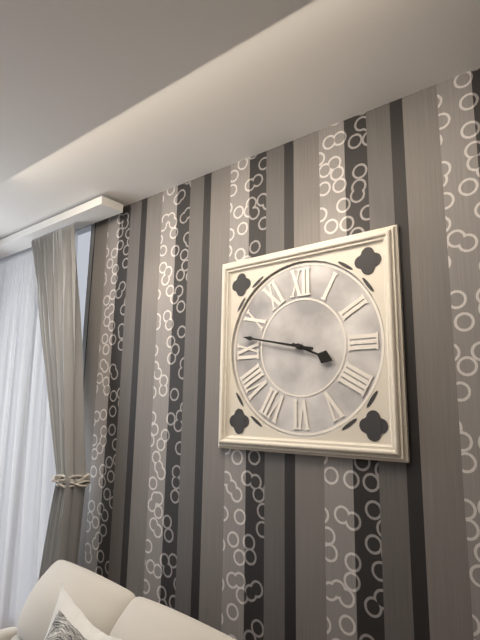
h=3 m=47
